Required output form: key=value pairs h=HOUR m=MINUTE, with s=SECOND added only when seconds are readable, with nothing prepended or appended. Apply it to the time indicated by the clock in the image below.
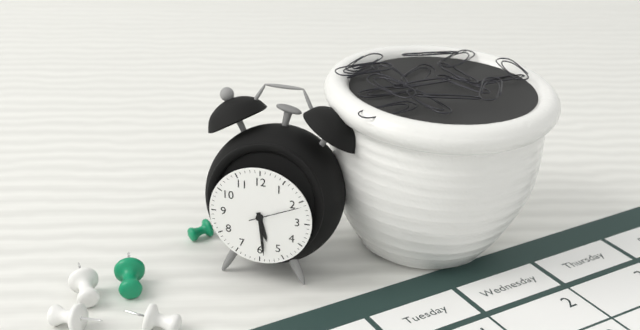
h=5 m=29 s=11
